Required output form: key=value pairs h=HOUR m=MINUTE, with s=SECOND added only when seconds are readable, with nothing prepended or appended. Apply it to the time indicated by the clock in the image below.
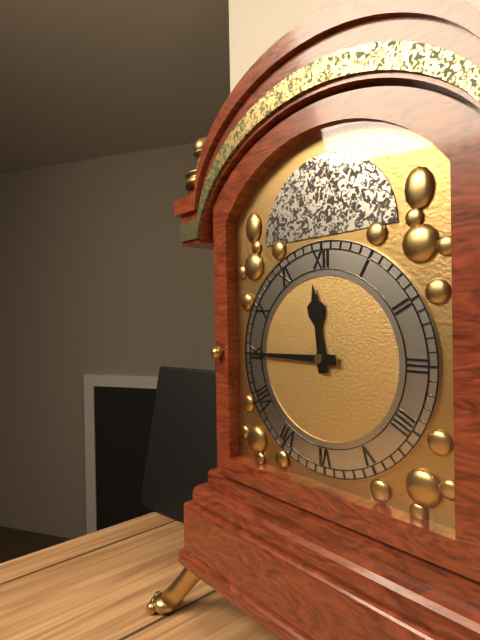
h=11 m=45
